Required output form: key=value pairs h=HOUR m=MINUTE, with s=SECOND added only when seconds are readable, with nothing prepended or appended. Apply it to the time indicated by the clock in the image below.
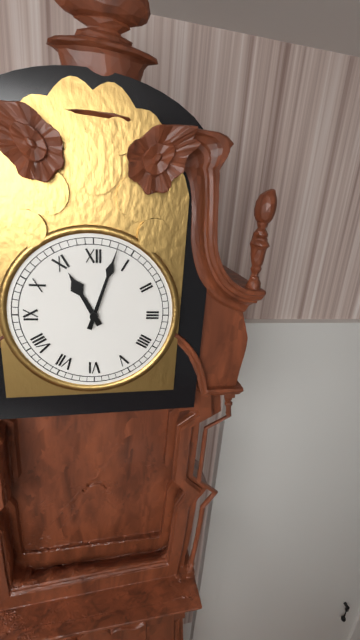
h=11 m=3
